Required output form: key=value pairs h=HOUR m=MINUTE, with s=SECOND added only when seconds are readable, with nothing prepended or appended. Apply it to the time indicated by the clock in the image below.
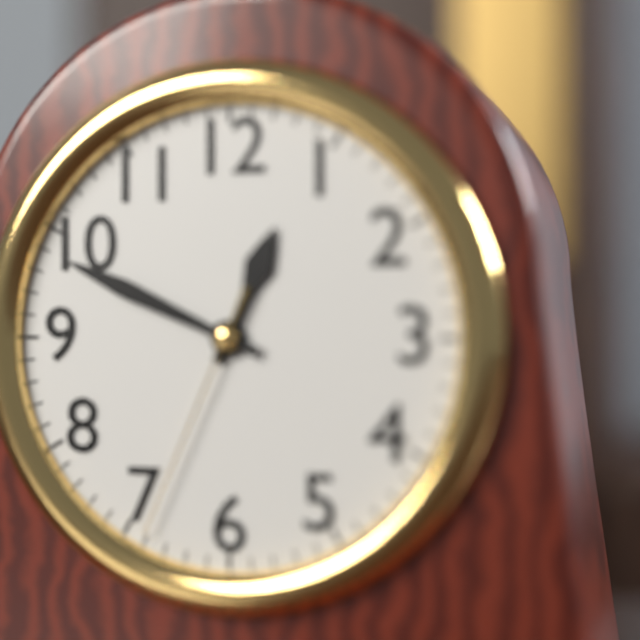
h=12 m=49 s=34
